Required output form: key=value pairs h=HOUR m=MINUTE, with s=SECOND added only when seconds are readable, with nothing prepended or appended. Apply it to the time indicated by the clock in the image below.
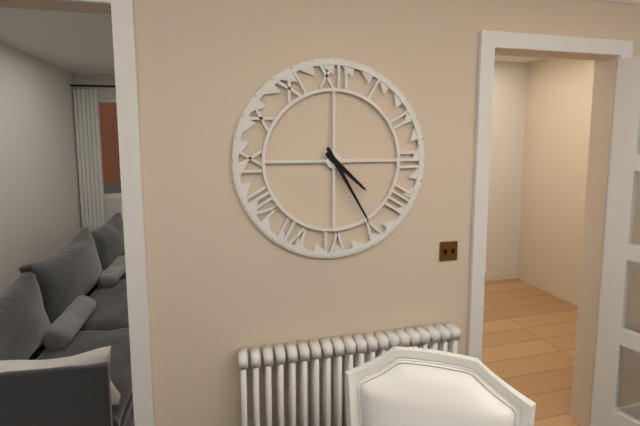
h=4 m=25
